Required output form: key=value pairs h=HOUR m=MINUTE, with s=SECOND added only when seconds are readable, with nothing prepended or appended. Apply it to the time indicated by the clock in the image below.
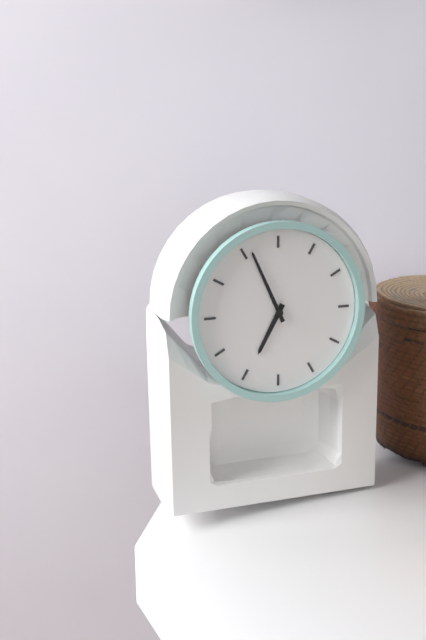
h=6 m=56
